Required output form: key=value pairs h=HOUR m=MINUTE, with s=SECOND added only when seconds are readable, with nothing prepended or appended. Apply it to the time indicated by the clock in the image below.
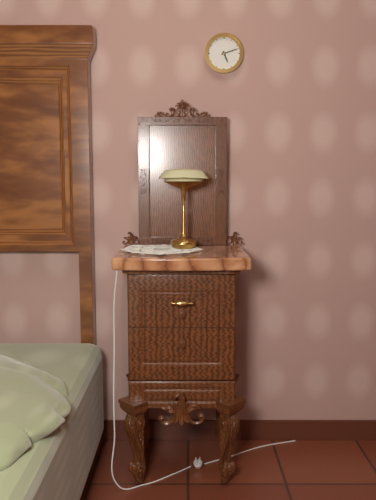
h=5 m=12
